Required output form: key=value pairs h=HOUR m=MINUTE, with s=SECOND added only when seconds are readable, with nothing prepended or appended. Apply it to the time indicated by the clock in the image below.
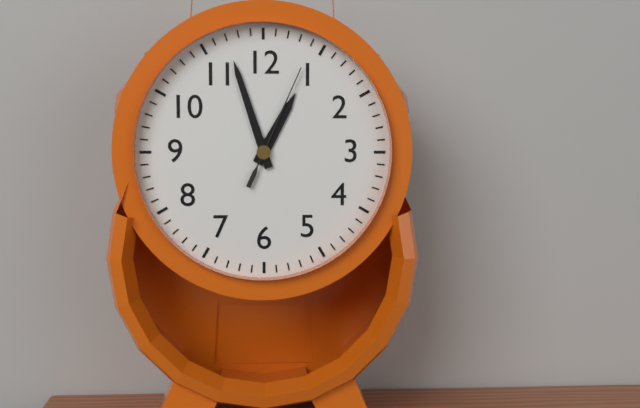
h=12 m=57 s=4
